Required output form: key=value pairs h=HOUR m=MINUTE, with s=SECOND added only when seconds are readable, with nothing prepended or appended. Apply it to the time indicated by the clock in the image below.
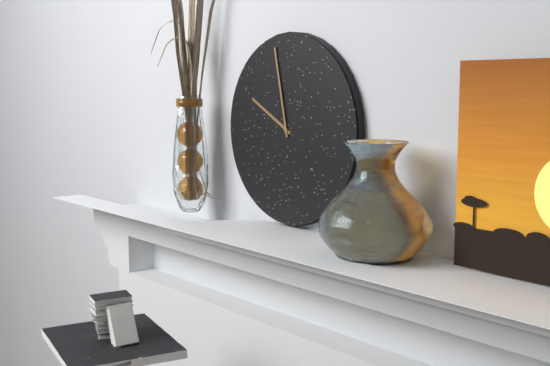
h=9 m=58
